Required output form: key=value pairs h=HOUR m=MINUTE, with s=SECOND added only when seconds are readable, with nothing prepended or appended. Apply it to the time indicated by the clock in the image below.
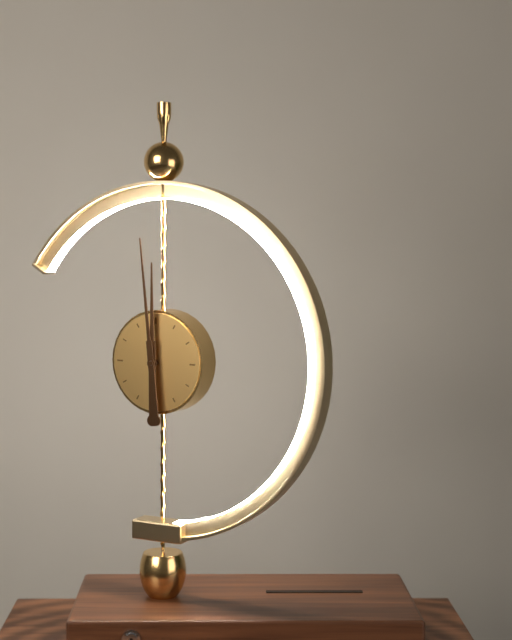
h=11 m=59
